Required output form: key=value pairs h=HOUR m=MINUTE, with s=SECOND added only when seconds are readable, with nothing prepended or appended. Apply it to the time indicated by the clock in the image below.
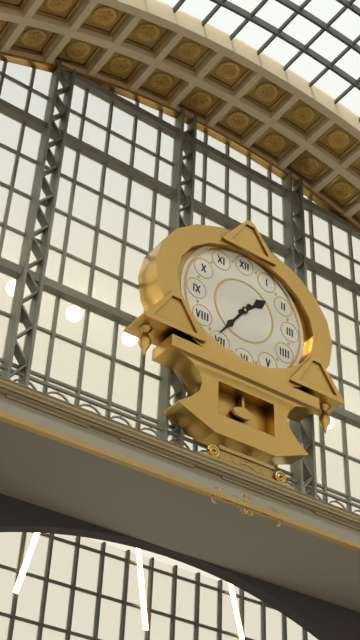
h=1 m=36
